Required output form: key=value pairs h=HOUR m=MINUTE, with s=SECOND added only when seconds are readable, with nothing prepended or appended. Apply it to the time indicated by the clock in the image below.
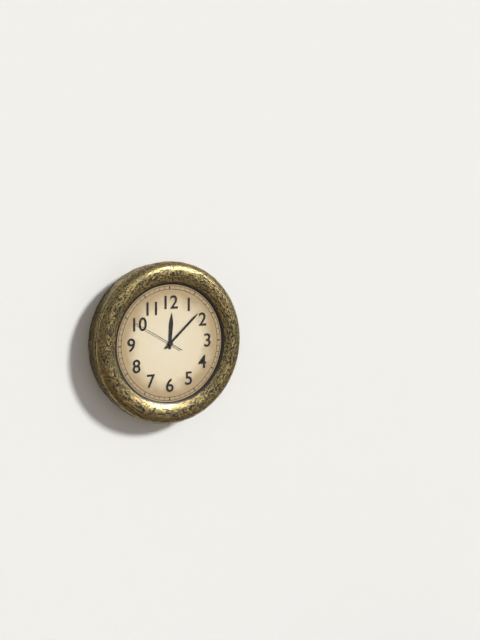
h=12 m=8 s=50
